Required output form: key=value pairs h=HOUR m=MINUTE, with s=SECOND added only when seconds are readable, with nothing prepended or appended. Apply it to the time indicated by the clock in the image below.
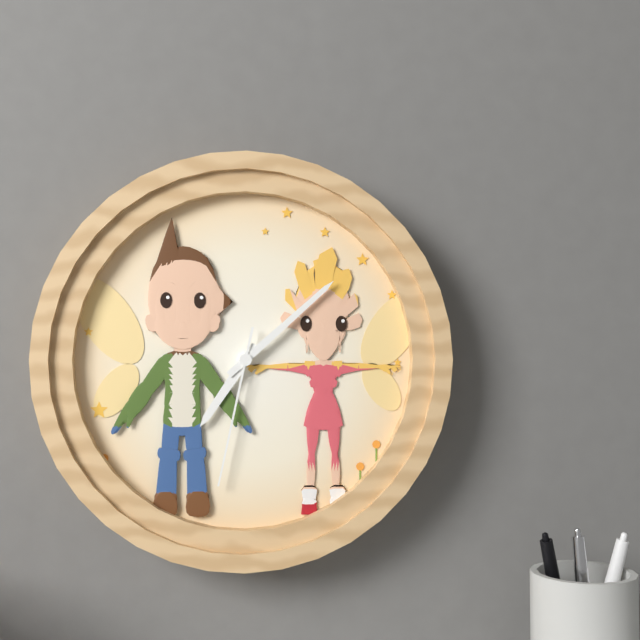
h=7 m=8 s=32
